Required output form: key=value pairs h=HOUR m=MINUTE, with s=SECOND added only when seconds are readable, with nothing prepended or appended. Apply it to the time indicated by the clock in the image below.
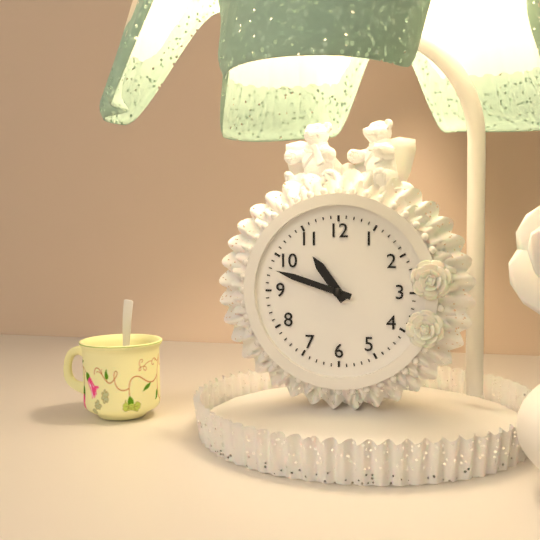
h=10 m=48
